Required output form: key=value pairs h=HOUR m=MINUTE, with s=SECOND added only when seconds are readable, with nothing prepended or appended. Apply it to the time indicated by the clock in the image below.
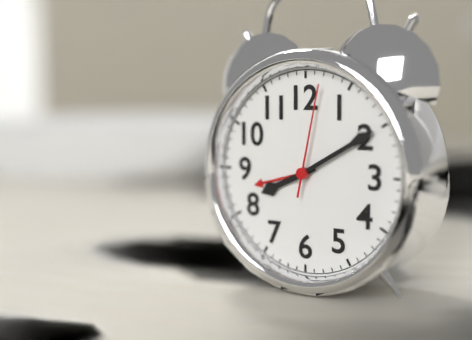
h=8 m=10 s=2
